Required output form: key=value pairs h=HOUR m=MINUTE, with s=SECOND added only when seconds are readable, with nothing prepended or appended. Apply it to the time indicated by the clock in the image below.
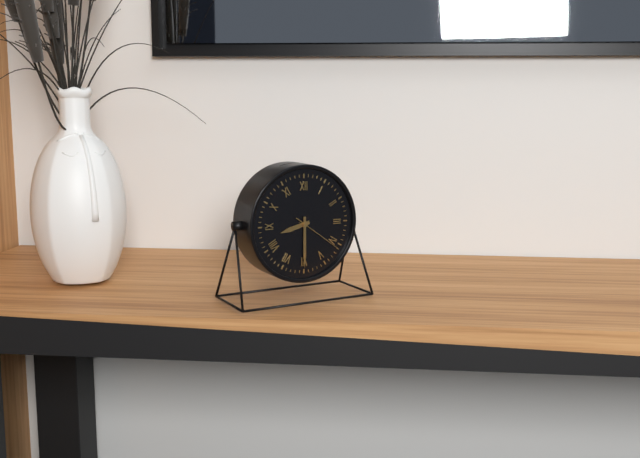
h=8 m=30 s=21
